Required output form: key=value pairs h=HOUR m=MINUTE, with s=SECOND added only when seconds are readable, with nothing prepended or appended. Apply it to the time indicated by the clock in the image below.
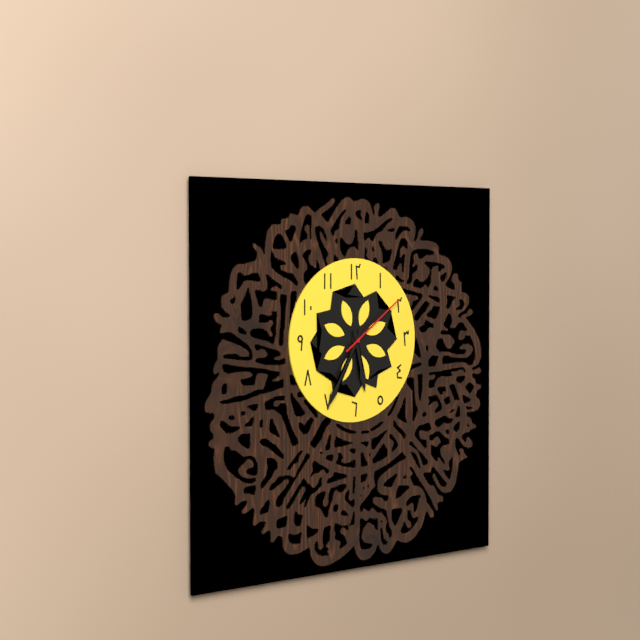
h=5 m=35 s=9
